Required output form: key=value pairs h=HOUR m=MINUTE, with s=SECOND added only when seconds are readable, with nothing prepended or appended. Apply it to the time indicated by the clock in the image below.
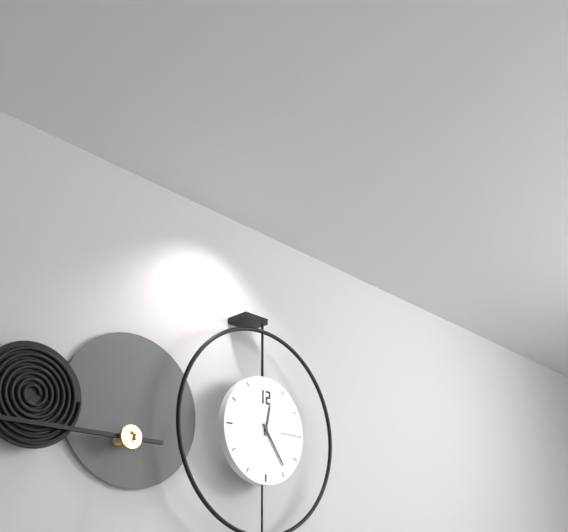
h=12 m=24
